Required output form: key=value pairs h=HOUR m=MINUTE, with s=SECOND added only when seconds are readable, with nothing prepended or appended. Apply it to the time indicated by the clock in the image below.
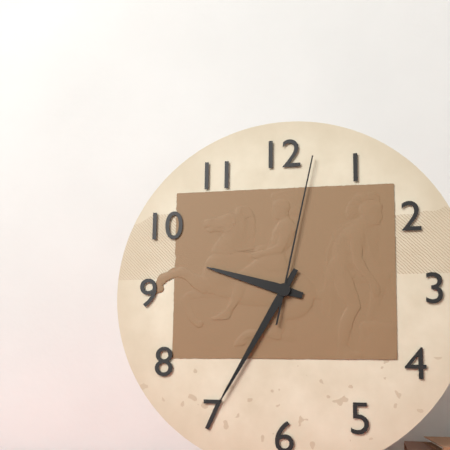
h=9 m=35 s=2
